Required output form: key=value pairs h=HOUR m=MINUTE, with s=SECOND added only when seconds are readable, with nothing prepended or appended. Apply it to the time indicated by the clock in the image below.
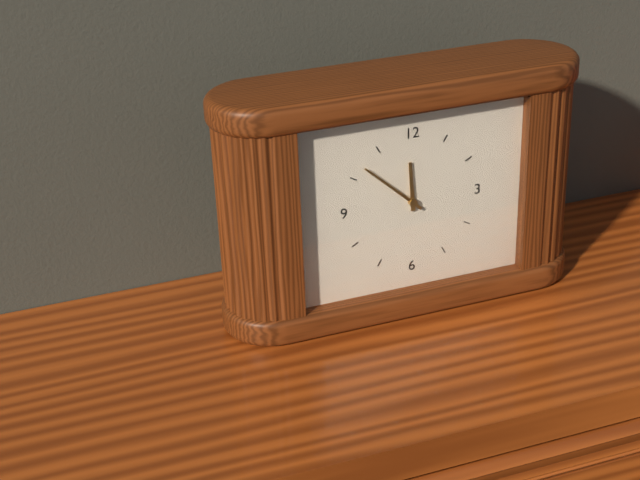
h=11 m=52
